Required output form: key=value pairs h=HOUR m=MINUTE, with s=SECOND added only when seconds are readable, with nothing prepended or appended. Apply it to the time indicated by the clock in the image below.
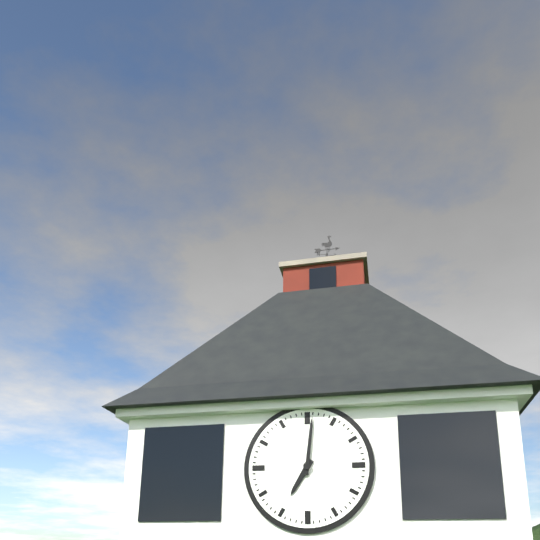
h=7 m=1
